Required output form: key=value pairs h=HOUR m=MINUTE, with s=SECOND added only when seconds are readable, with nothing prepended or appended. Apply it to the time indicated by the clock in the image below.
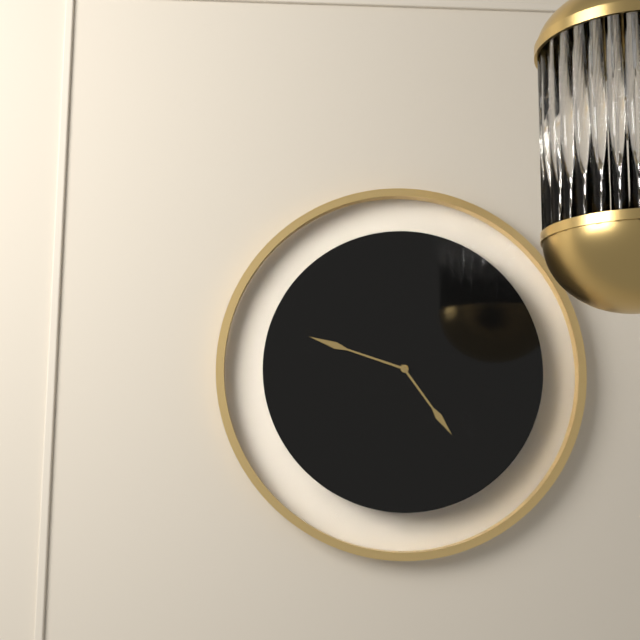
h=4 m=48
